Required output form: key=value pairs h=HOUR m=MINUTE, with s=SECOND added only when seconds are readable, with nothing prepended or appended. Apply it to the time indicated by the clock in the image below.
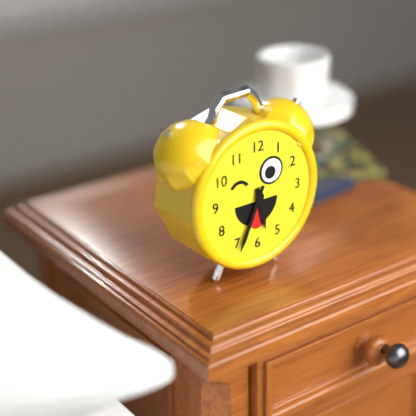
h=5 m=34
